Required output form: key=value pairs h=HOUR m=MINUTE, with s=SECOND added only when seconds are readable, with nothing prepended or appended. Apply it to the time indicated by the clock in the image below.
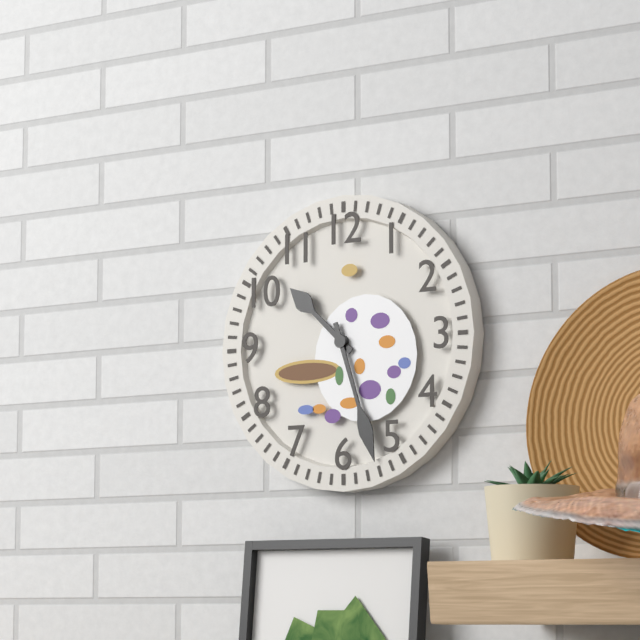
h=10 m=27
